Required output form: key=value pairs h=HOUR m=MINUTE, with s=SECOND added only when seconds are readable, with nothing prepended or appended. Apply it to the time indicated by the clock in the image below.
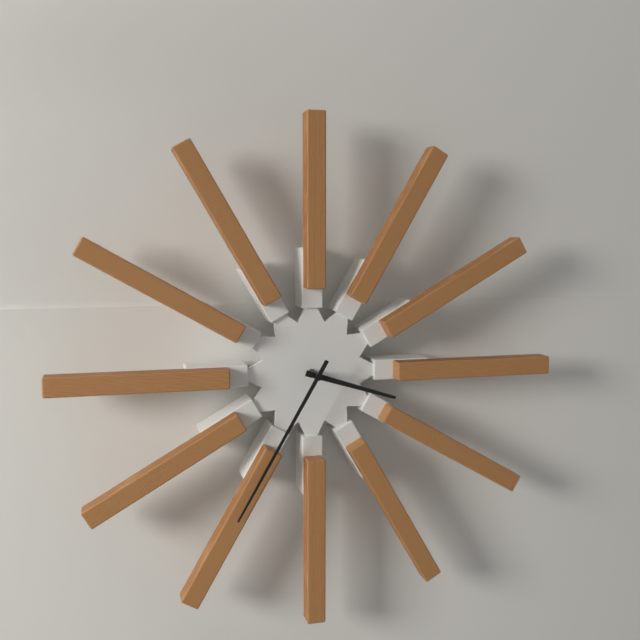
h=3 m=35
